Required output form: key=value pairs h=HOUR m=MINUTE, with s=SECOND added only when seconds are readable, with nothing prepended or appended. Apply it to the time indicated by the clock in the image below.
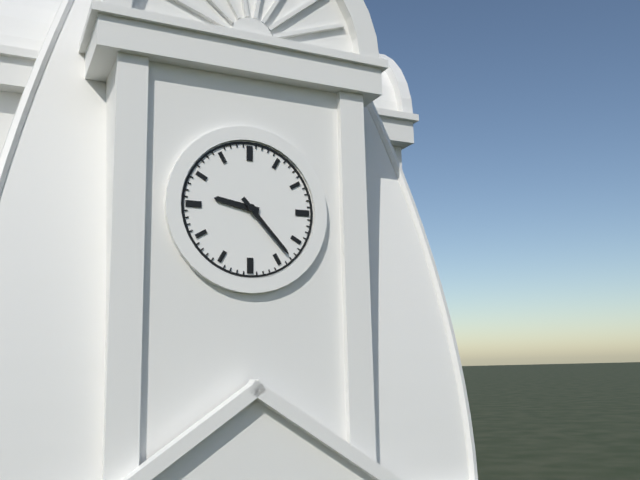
h=9 m=23
